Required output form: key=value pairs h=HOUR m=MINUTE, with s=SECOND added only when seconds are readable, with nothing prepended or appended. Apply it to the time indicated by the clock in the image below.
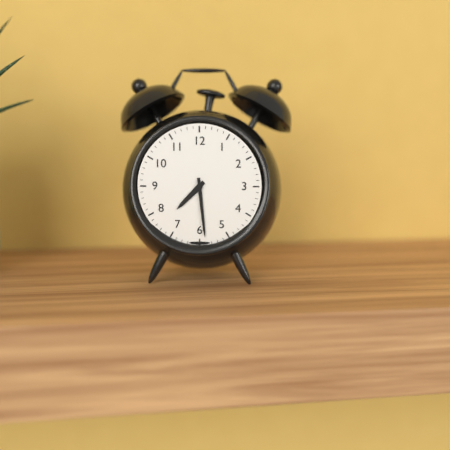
h=7 m=29
